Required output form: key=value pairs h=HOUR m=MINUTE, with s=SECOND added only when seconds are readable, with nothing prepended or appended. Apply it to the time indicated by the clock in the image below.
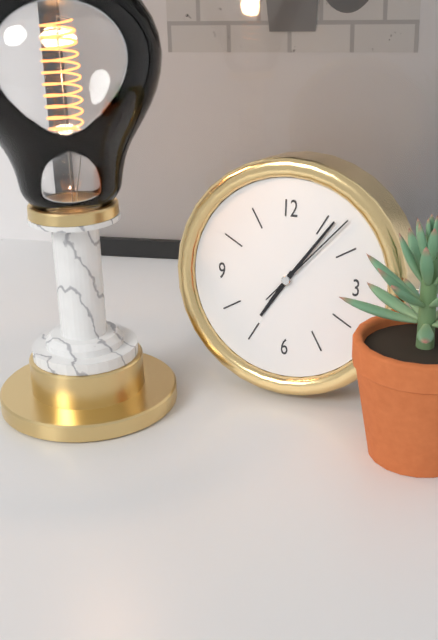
h=7 m=6 s=7
